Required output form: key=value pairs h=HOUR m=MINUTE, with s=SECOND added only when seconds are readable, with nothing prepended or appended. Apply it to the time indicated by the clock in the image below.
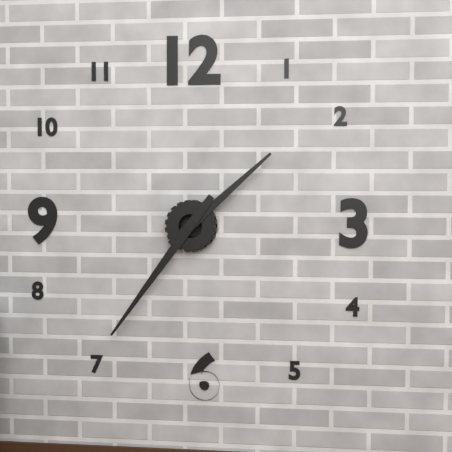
h=1 m=36
